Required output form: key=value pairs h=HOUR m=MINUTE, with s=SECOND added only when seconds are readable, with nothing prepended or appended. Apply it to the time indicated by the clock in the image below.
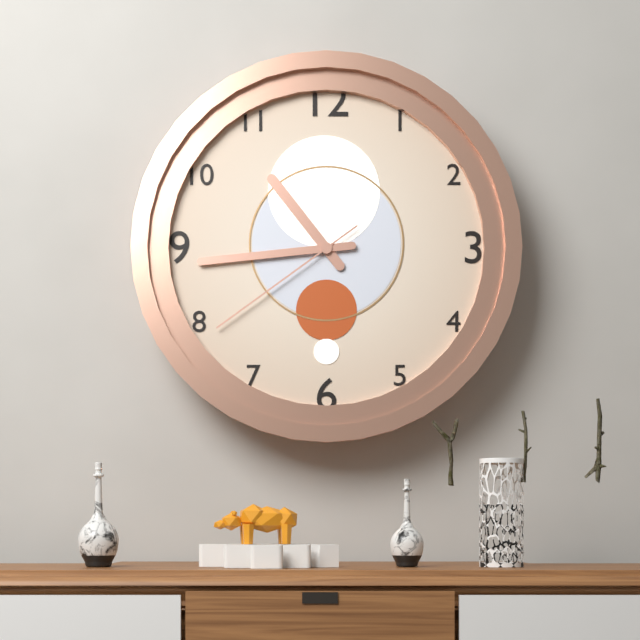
h=10 m=44 s=39
